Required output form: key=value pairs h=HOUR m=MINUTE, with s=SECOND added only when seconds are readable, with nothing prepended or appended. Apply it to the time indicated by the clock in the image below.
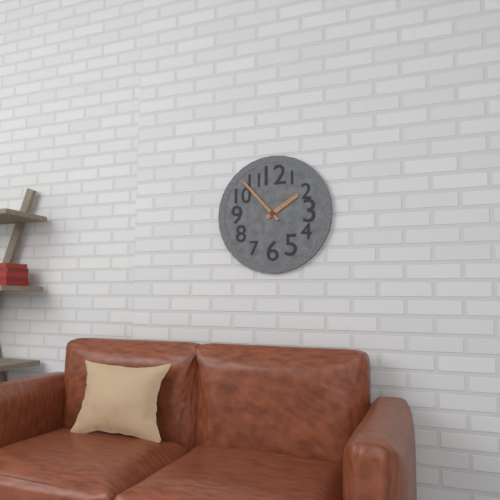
h=1 m=53
